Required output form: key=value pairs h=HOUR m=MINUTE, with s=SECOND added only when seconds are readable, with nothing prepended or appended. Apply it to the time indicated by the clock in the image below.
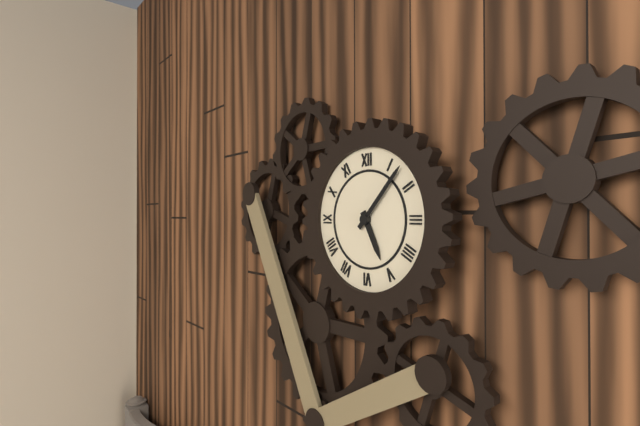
h=5 m=7
